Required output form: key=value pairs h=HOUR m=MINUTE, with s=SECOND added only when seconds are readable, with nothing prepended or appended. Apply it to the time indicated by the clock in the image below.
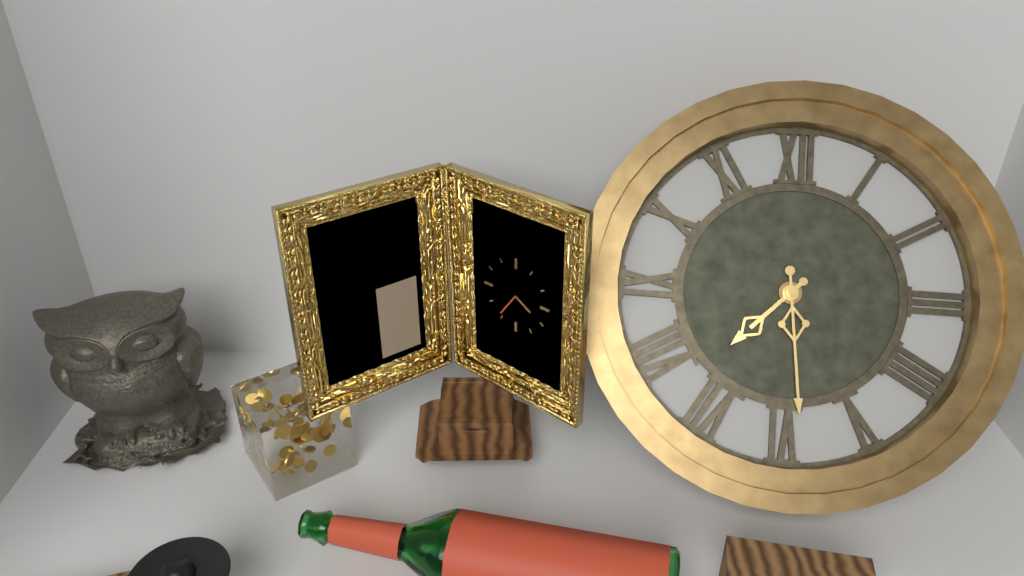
h=7 m=29
